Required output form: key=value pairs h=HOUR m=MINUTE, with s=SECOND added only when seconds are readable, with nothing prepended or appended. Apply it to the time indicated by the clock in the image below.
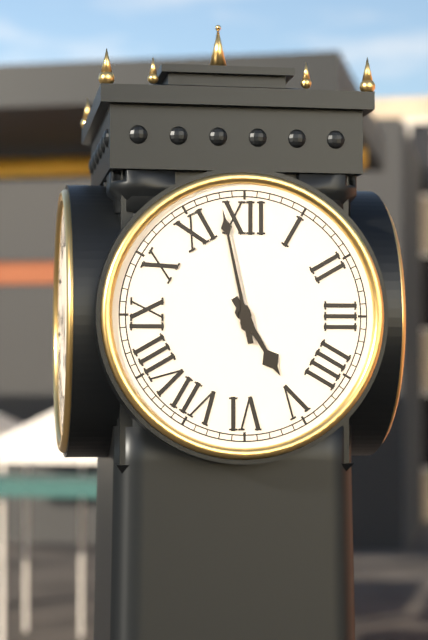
h=4 m=58
